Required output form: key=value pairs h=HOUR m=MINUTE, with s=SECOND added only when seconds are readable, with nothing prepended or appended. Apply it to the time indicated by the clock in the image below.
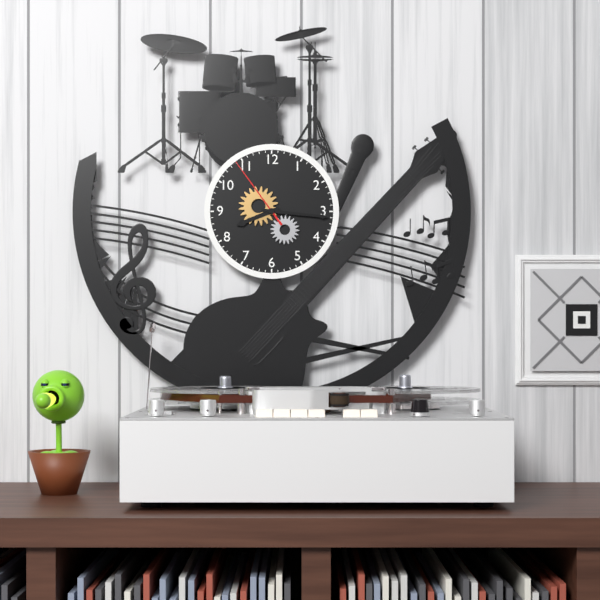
h=8 m=16 s=54
